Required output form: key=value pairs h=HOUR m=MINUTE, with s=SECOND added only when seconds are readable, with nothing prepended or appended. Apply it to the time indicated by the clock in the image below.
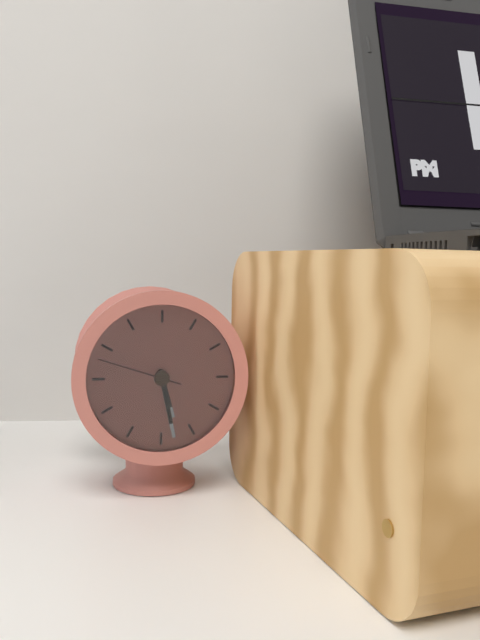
h=5 m=28 s=48
